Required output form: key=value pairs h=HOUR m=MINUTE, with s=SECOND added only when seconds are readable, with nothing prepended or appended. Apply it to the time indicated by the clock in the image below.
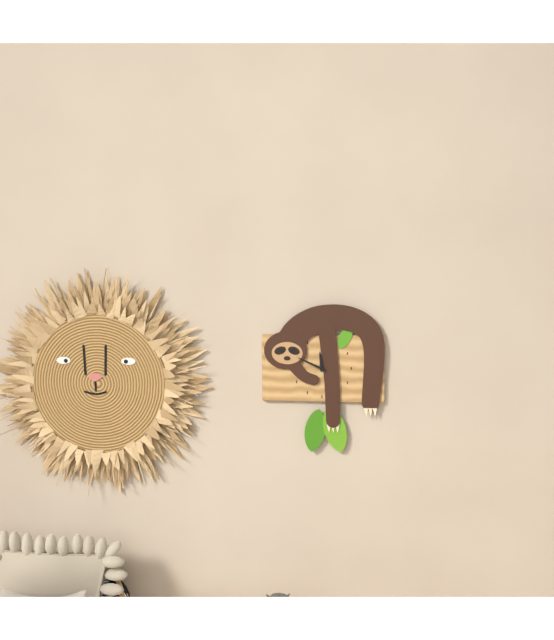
h=11 m=49
